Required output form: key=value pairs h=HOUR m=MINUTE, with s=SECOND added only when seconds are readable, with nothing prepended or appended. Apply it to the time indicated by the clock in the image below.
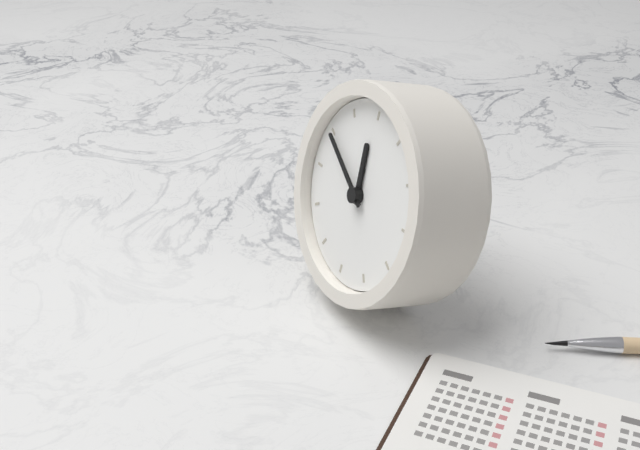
h=11 m=50
